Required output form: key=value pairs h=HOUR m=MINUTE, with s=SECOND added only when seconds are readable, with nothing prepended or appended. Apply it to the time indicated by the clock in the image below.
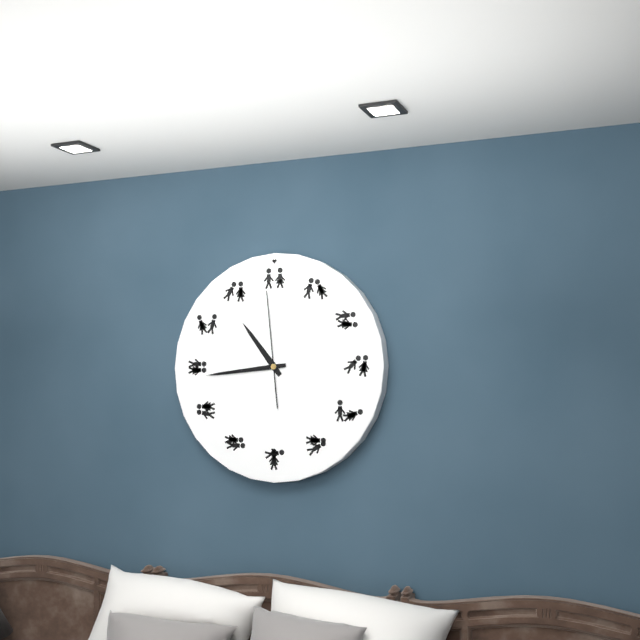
h=10 m=44 s=59
